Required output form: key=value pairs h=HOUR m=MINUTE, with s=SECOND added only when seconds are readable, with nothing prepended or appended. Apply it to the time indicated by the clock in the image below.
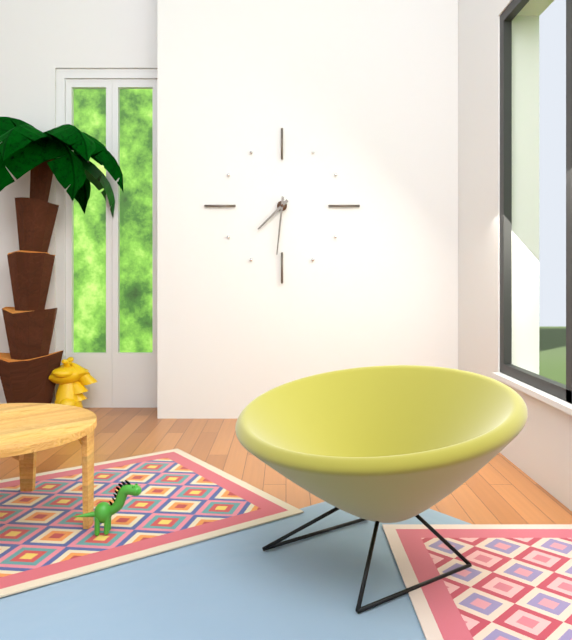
h=7 m=31
